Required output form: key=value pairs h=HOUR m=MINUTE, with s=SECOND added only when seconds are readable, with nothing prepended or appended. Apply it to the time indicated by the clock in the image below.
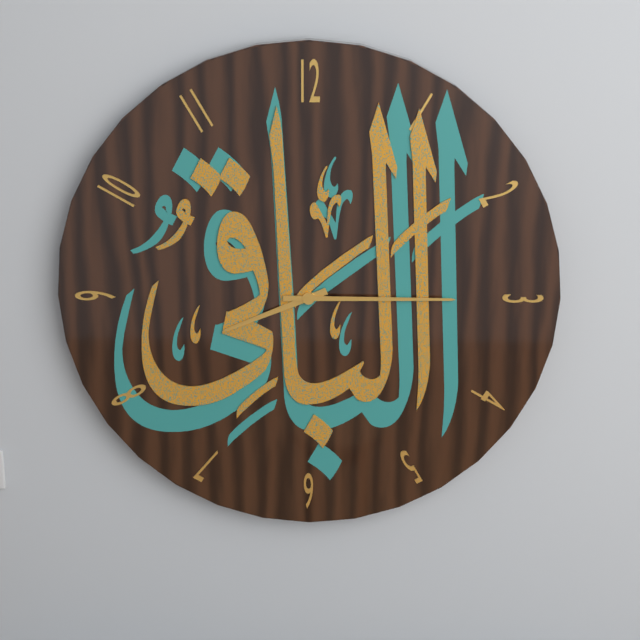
h=8 m=15
